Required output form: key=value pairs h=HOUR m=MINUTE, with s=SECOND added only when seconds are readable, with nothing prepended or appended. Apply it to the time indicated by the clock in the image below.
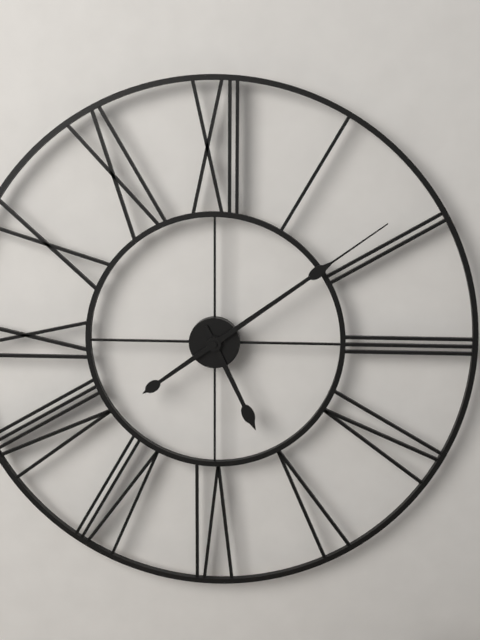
h=5 m=9
